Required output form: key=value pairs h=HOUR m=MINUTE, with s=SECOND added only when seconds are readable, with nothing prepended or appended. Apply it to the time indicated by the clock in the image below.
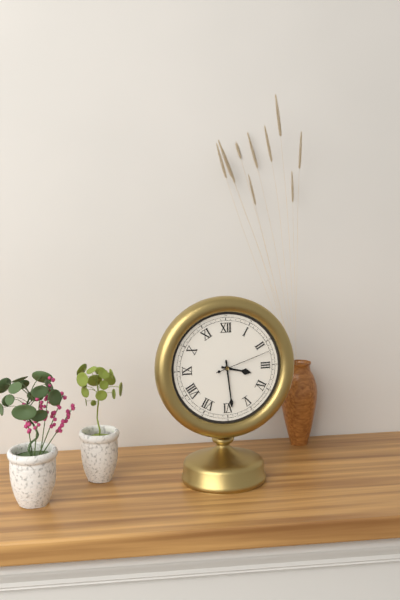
h=3 m=29 s=12
